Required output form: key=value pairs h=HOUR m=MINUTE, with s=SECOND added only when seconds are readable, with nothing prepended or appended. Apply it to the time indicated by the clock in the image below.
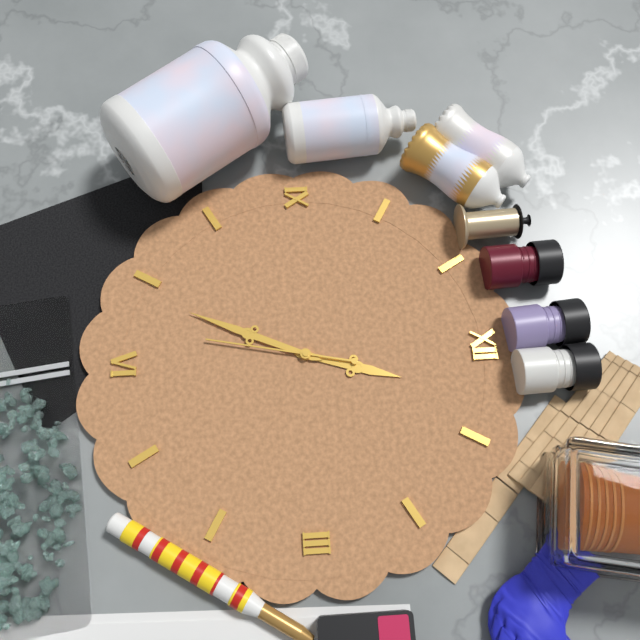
h=12 m=34 s=32
